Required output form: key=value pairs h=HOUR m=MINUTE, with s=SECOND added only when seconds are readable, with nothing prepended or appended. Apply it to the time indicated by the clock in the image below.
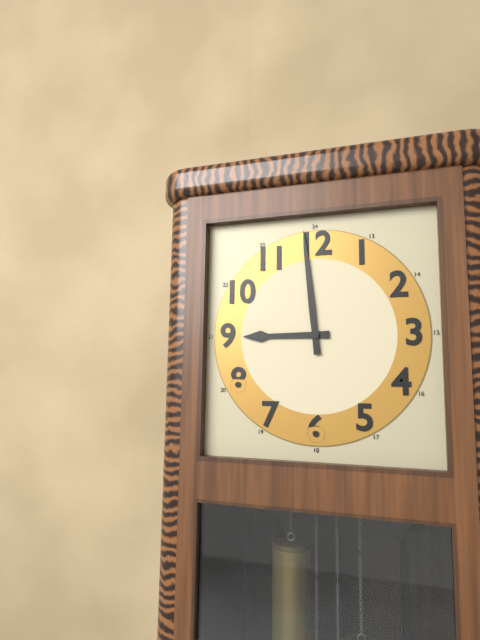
h=8 m=59
